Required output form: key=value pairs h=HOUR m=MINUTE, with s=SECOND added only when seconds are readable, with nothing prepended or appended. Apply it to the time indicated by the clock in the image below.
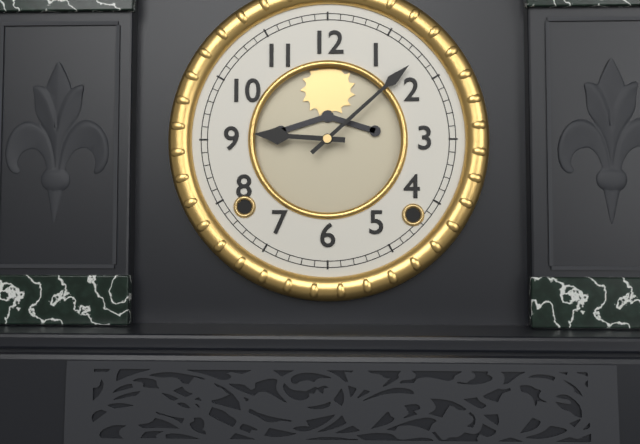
h=9 m=8
